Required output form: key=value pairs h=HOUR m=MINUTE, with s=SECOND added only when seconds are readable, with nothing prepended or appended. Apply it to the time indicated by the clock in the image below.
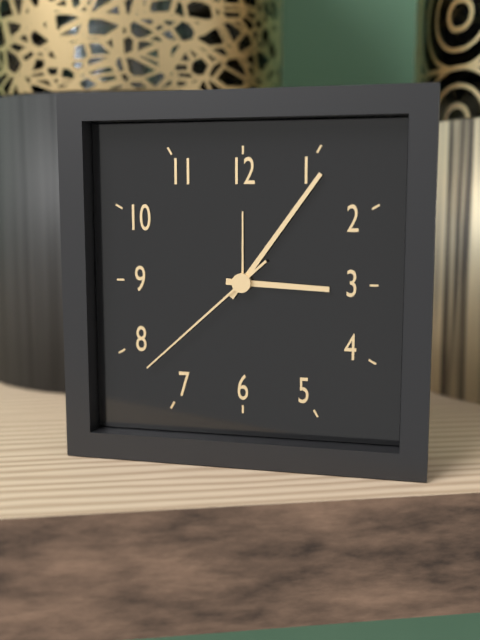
h=3 m=6 s=38
